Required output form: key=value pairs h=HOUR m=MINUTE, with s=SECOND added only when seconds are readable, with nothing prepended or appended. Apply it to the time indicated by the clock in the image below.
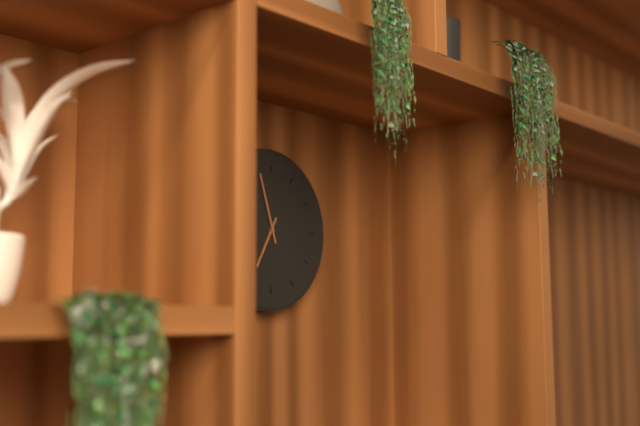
h=6 m=57
